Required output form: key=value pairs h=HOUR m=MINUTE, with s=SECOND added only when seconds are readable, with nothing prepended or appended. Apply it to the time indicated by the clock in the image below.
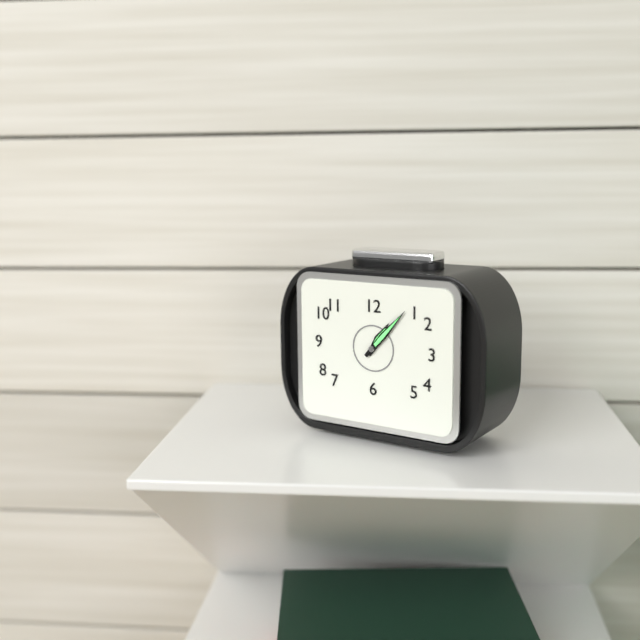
h=1 m=7
